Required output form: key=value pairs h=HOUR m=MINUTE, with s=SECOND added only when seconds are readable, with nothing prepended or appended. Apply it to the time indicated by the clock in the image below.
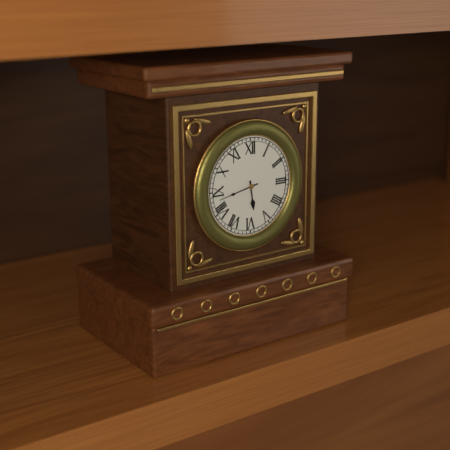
h=5 m=43
